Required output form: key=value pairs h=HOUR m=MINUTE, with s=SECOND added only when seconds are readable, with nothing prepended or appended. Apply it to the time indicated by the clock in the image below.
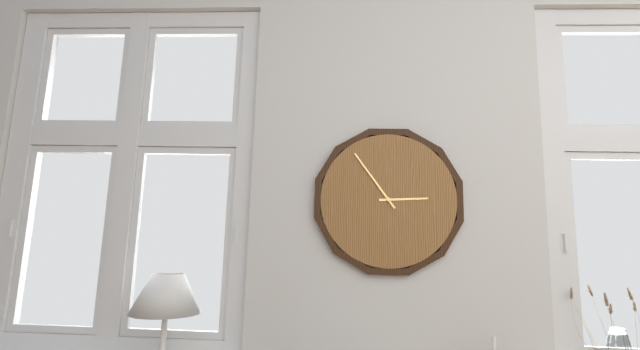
h=2 m=54
